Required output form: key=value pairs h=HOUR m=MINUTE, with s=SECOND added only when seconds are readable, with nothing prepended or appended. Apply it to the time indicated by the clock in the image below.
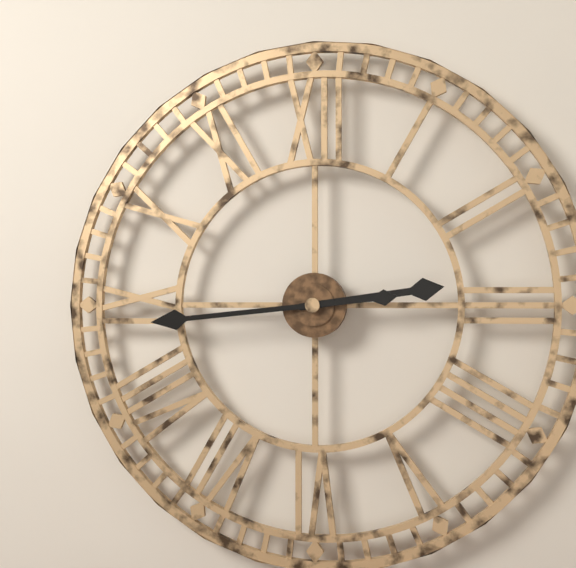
h=2 m=44
